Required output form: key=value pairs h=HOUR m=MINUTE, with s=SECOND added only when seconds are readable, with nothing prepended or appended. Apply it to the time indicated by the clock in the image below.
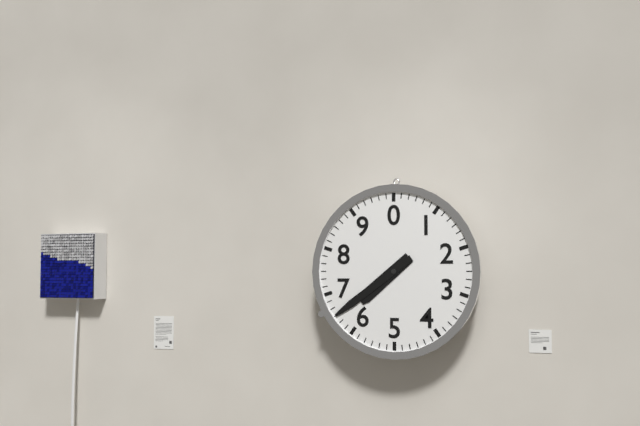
h=7 m=39
